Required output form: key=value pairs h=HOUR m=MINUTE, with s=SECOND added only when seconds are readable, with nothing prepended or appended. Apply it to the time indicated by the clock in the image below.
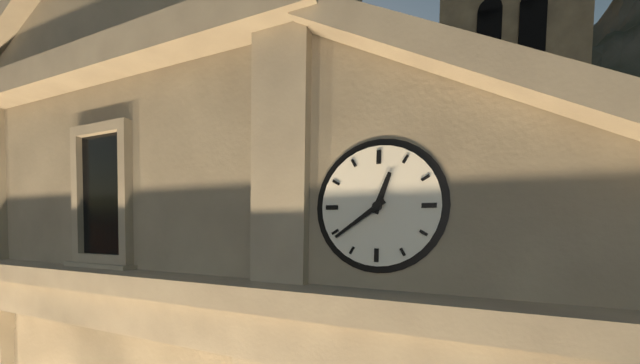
h=12 m=39
